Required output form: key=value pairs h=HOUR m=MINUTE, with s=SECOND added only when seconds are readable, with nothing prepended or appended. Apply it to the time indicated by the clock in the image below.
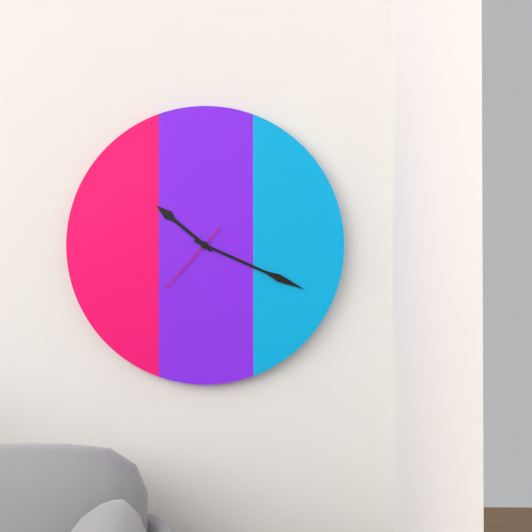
h=10 m=19 s=37
